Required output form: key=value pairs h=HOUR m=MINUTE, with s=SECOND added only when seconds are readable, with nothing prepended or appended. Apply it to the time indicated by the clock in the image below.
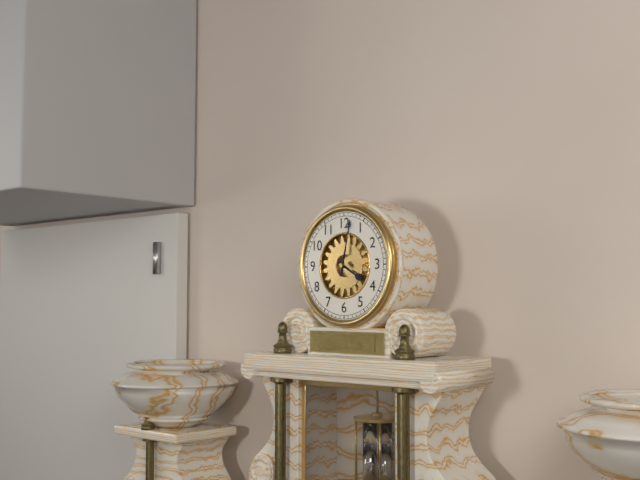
h=4 m=2
